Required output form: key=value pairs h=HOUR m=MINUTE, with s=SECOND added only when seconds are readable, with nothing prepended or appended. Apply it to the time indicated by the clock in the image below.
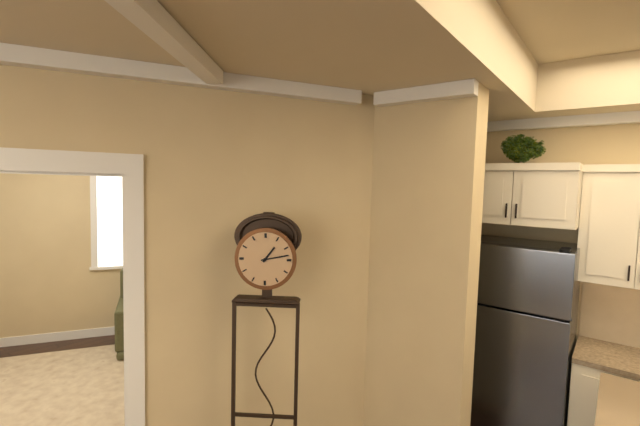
h=1 m=13
